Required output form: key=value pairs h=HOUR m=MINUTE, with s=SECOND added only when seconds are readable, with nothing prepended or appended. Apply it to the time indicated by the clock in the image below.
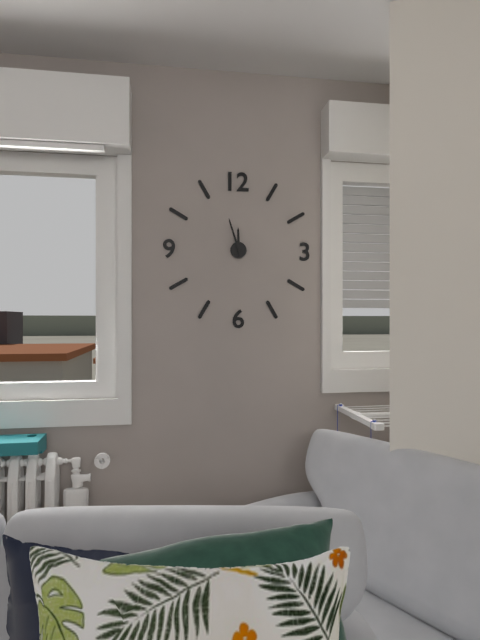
h=11 m=57
